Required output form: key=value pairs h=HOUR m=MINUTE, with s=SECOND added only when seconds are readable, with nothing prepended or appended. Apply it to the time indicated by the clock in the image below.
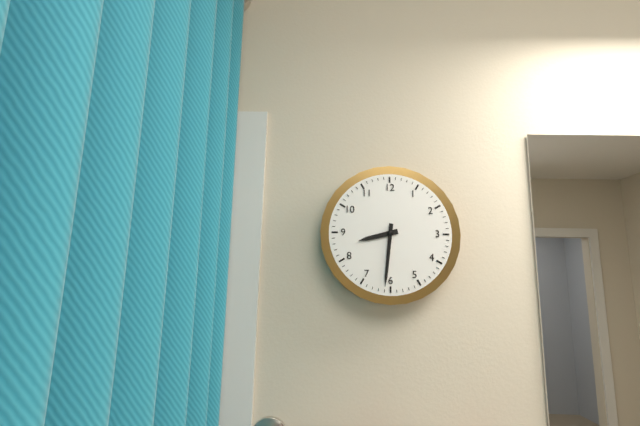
h=8 m=31
